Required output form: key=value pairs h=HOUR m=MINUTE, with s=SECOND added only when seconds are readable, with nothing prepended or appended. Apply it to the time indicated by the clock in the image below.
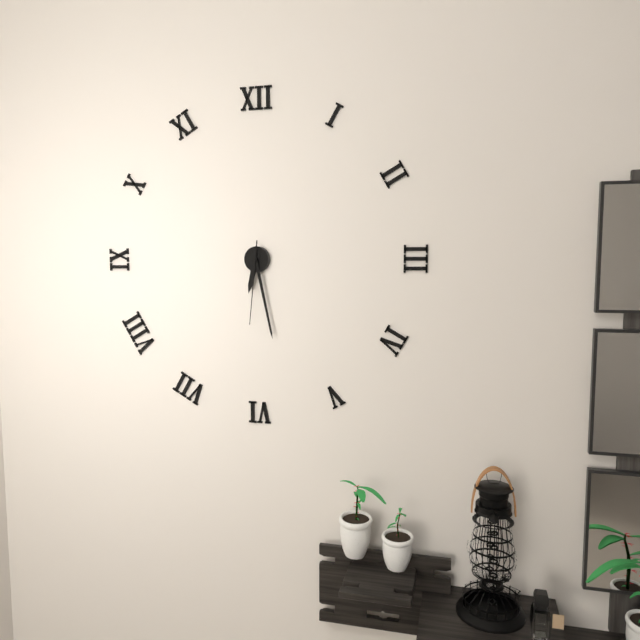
h=6 m=28 s=31
